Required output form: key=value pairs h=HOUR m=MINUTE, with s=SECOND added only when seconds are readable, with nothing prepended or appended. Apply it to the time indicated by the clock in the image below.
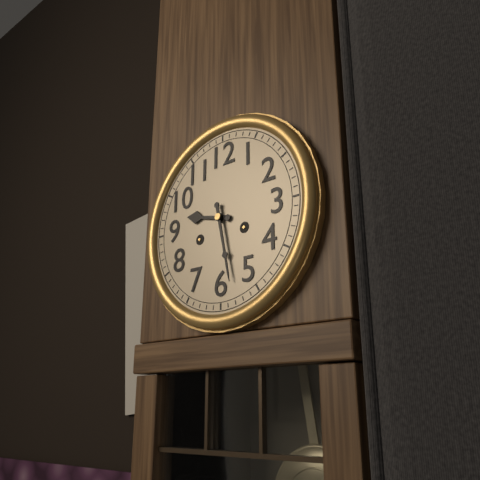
h=9 m=28
